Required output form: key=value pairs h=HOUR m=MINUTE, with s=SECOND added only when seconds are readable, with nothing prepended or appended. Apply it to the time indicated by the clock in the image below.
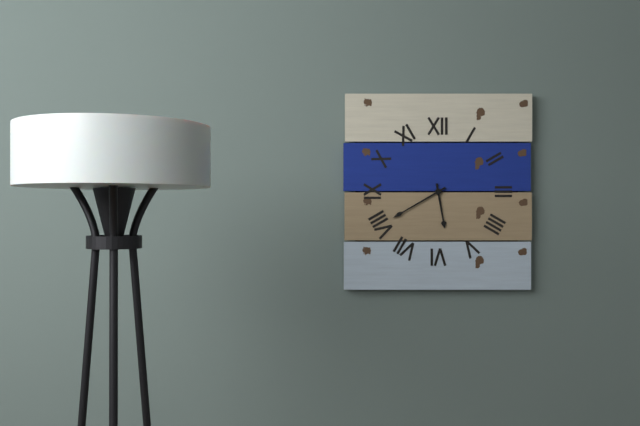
h=5 m=40
